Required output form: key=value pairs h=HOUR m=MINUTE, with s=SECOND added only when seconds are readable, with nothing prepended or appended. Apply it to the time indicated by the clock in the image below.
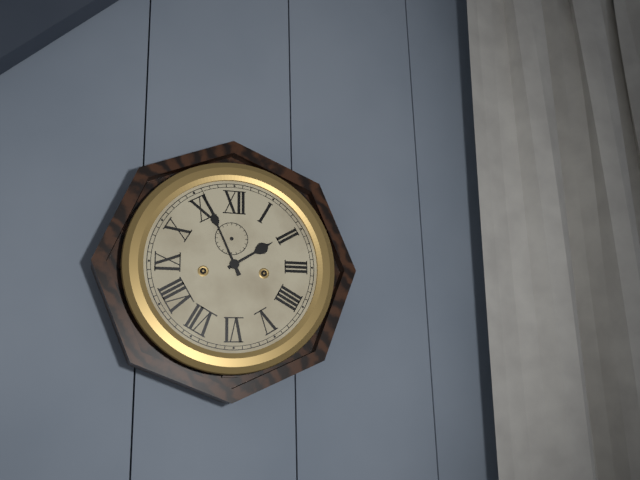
h=1 m=56
